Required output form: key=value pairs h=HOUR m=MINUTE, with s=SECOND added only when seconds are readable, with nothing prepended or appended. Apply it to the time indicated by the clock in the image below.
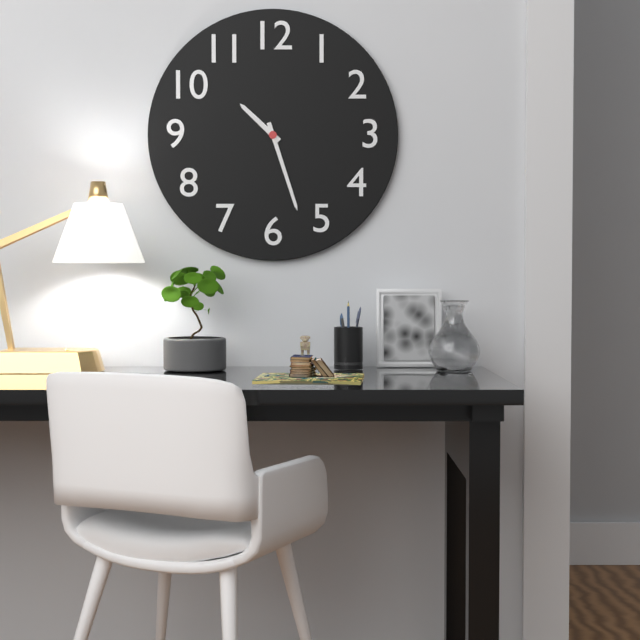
h=10 m=27
